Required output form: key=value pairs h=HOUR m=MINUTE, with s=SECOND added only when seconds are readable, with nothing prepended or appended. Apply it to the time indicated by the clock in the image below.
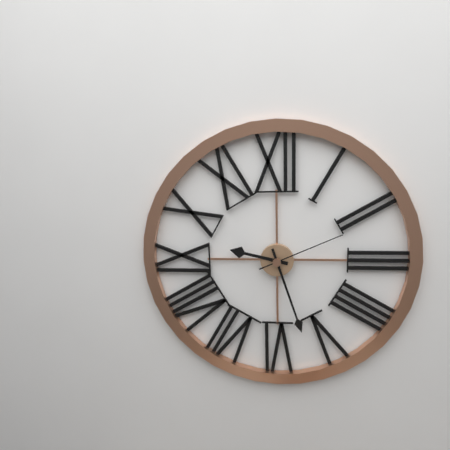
h=9 m=27 s=11
